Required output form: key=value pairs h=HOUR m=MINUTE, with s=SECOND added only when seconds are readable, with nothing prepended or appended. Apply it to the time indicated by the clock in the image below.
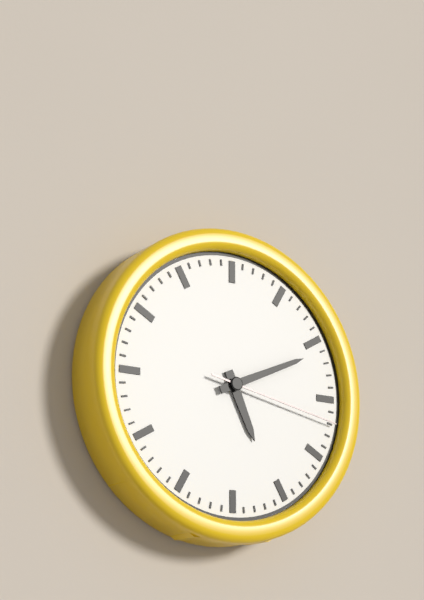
h=5 m=11 s=17
